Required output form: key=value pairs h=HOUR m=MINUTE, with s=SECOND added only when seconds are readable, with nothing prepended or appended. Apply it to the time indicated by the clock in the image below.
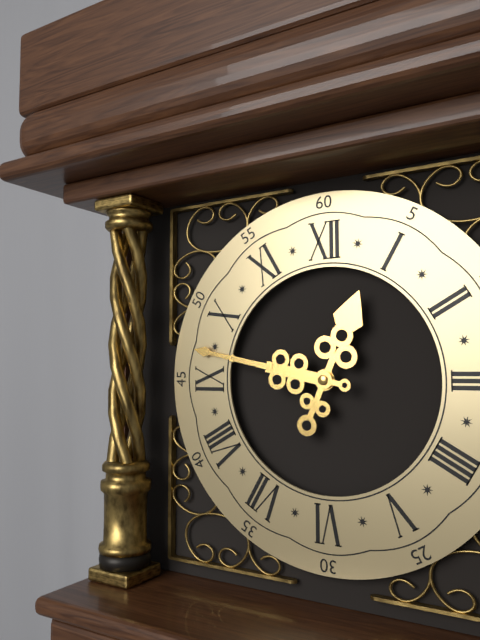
h=12 m=47
